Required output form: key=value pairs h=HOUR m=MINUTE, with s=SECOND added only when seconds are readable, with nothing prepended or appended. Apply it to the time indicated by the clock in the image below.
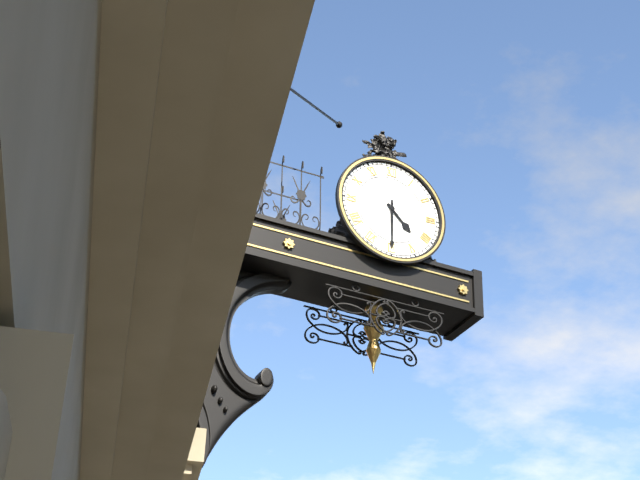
h=4 m=30
